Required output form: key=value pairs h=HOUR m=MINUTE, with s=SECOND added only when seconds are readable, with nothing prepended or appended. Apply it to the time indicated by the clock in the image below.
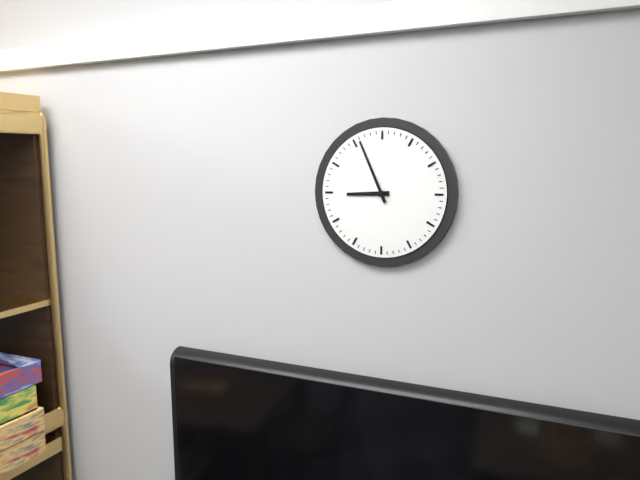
h=8 m=56
